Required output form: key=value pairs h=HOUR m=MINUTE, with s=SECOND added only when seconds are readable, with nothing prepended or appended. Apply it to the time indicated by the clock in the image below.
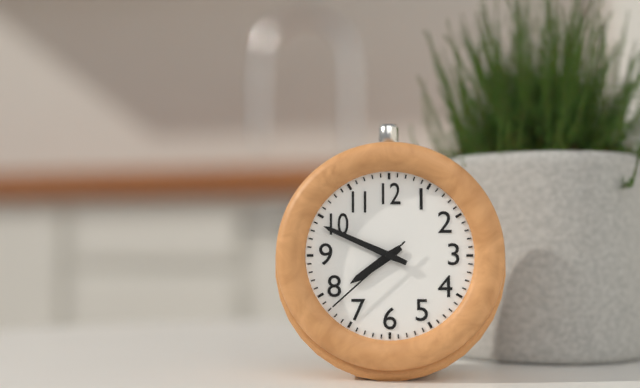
h=7 m=49 s=38
